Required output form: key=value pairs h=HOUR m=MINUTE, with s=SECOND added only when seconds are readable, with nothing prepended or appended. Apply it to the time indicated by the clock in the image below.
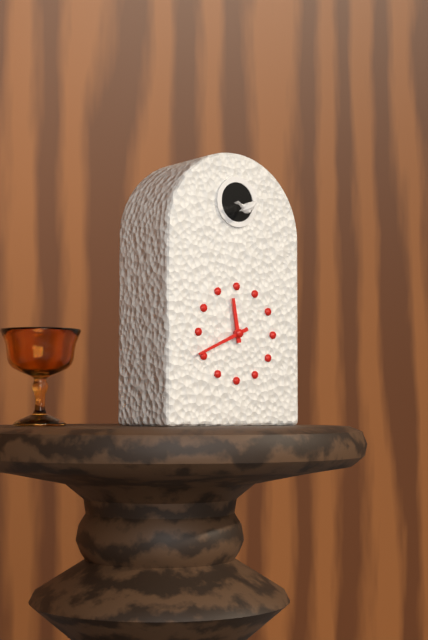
h=11 m=41
